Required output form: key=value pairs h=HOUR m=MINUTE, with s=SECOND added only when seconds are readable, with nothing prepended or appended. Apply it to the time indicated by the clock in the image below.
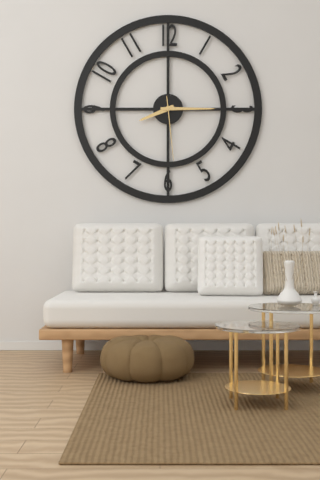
h=8 m=15 s=29
